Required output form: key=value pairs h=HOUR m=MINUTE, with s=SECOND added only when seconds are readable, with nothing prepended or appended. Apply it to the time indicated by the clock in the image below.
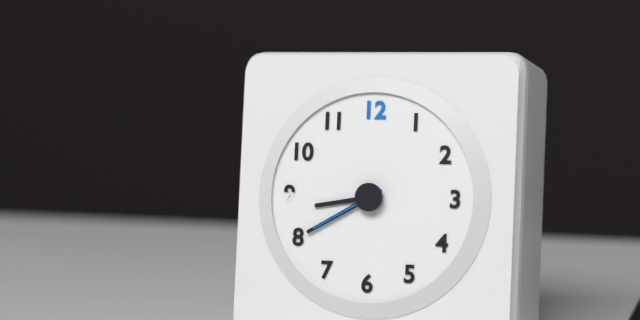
h=8 m=40 s=40
